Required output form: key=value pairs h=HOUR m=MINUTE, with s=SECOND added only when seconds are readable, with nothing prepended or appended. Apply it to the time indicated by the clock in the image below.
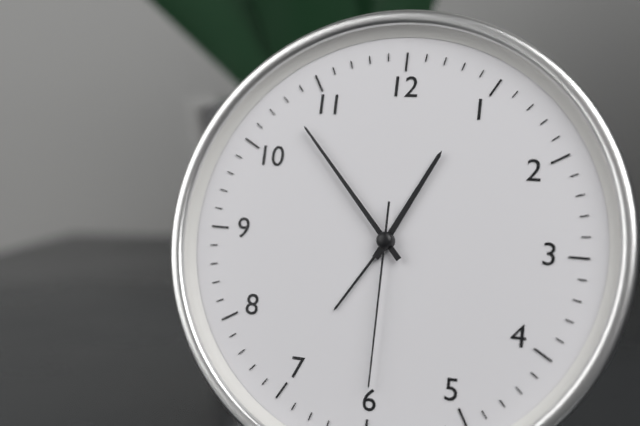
h=12 m=53 s=30
